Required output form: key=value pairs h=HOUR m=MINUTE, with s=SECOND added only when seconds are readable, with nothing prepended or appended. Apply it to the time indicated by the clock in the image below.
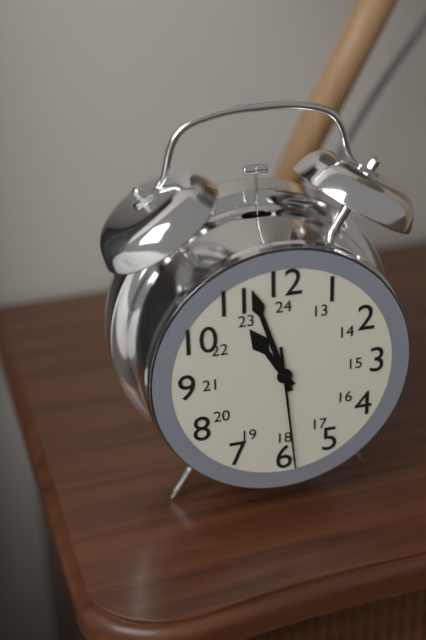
h=10 m=57 s=29
